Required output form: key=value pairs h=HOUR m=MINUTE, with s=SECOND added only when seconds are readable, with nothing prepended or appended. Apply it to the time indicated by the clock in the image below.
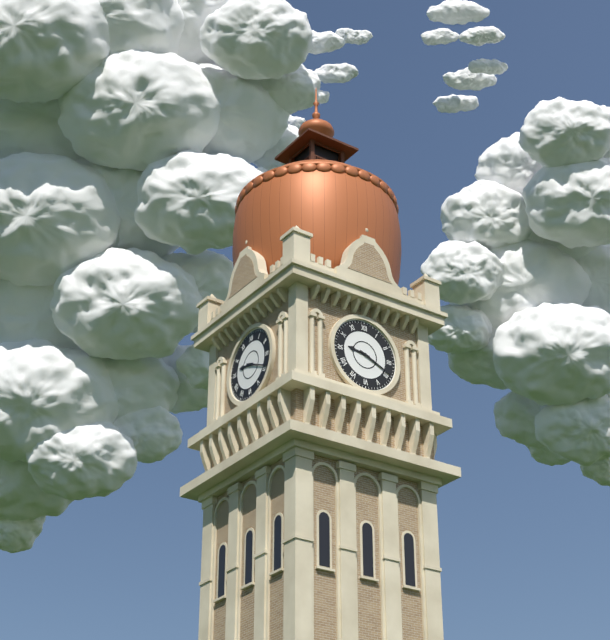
h=9 m=19
